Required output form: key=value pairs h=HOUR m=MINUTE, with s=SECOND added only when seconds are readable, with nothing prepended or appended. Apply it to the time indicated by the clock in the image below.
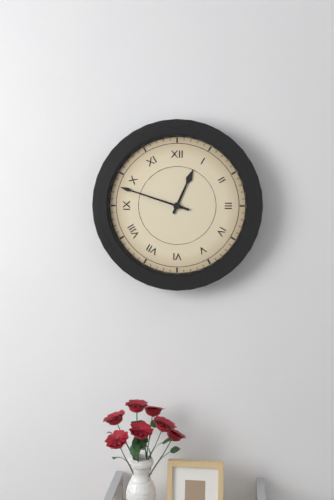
h=12 m=48
